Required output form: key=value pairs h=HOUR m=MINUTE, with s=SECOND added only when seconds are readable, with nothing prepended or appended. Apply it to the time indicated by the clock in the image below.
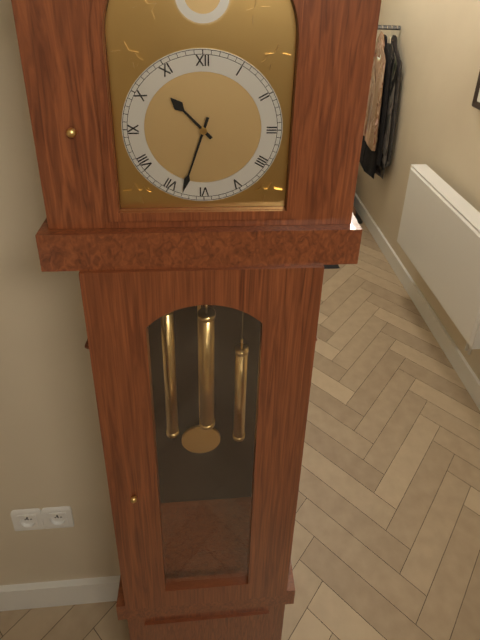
h=10 m=33
